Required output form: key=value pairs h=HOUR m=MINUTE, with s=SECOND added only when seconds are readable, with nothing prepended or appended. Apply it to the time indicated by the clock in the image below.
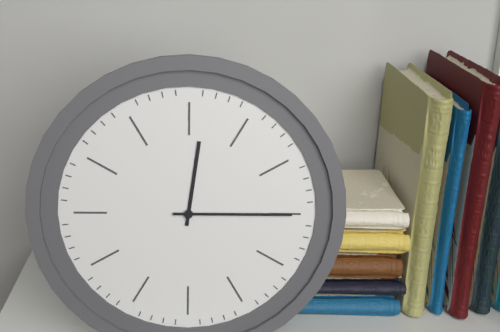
h=12 m=15
